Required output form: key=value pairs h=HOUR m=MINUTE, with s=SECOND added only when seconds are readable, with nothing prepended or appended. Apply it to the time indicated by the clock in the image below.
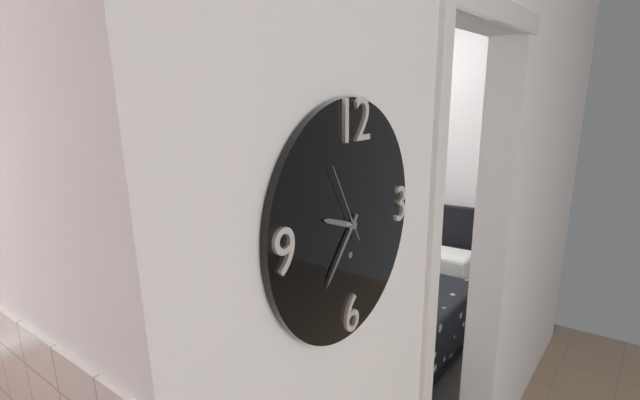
h=9 m=37 s=55
